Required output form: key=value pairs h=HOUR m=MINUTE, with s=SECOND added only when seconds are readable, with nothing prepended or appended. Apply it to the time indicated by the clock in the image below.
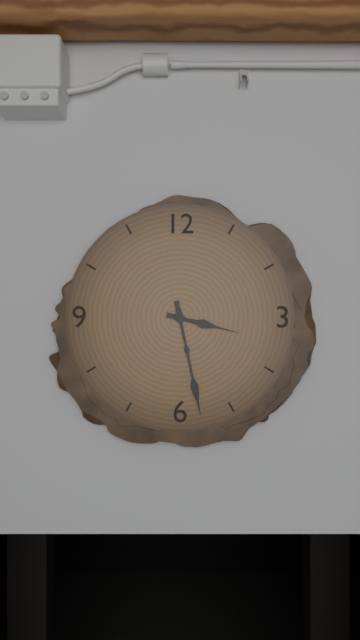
h=3 m=28
